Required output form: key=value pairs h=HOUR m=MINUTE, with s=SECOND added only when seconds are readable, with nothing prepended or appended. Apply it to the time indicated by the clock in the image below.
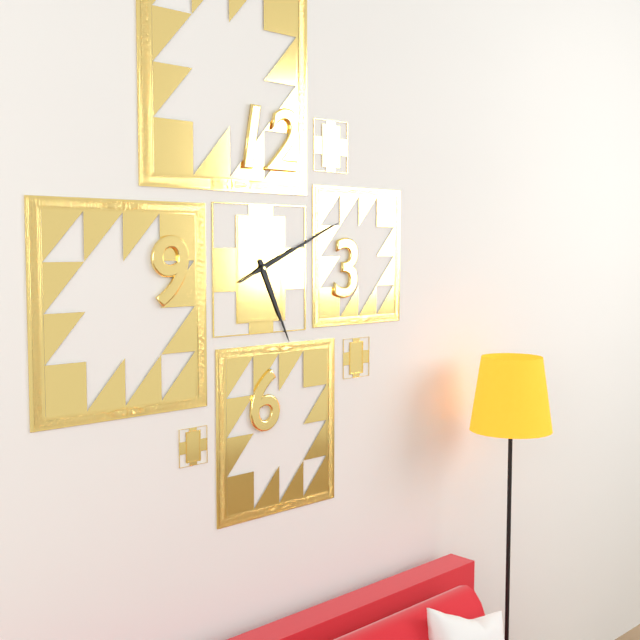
h=5 m=11 s=11
